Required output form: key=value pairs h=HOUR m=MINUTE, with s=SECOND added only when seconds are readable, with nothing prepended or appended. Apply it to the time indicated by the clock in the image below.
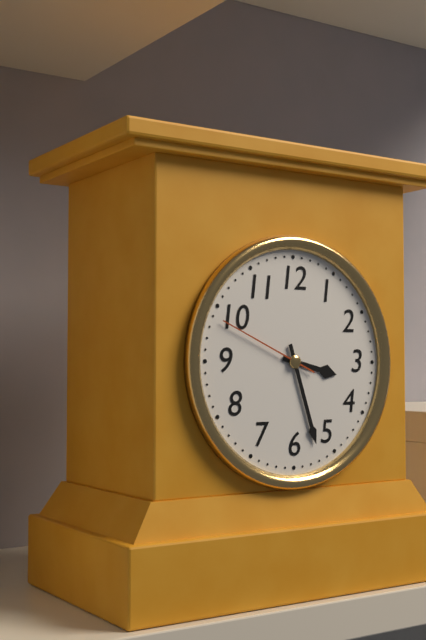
h=3 m=27 s=49
